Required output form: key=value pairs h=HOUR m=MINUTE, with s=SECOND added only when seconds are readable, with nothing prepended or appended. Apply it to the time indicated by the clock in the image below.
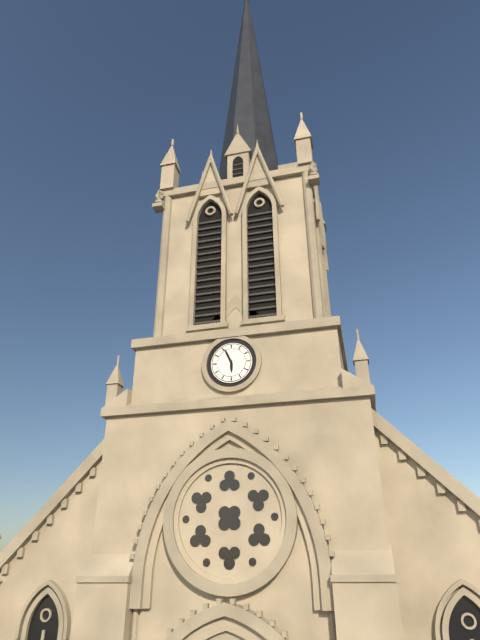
h=5 m=56
